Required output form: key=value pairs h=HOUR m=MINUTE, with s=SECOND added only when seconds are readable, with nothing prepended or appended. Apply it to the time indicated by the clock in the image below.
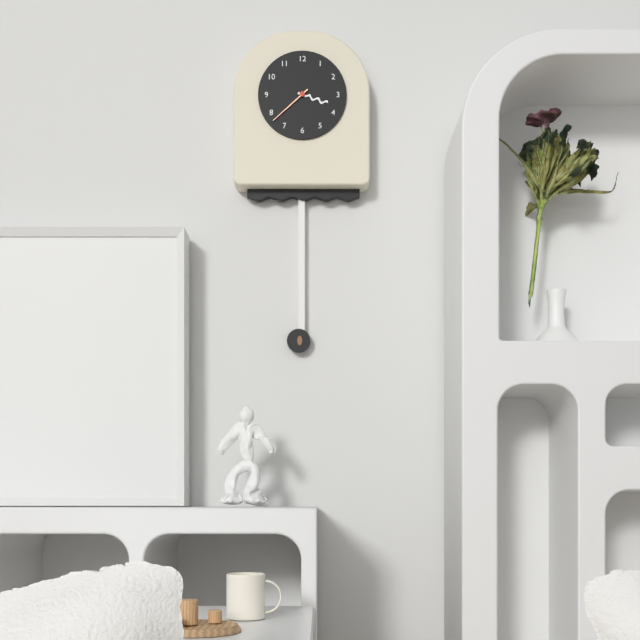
h=3 m=38
